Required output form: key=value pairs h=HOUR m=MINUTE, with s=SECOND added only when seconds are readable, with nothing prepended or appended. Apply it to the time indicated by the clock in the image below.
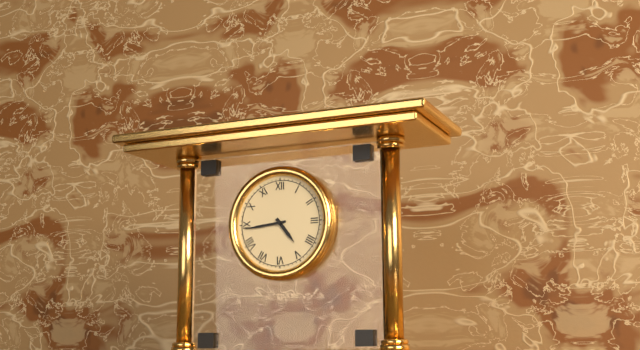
h=4 m=44
